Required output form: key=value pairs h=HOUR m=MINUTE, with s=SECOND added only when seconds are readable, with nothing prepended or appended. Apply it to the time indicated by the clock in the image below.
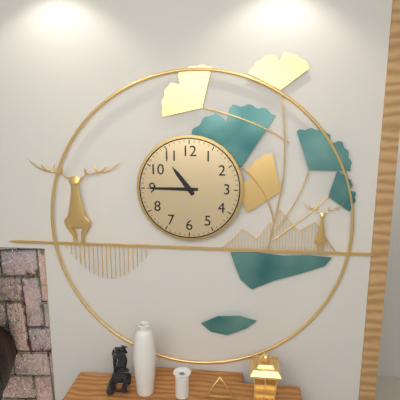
h=10 m=45
